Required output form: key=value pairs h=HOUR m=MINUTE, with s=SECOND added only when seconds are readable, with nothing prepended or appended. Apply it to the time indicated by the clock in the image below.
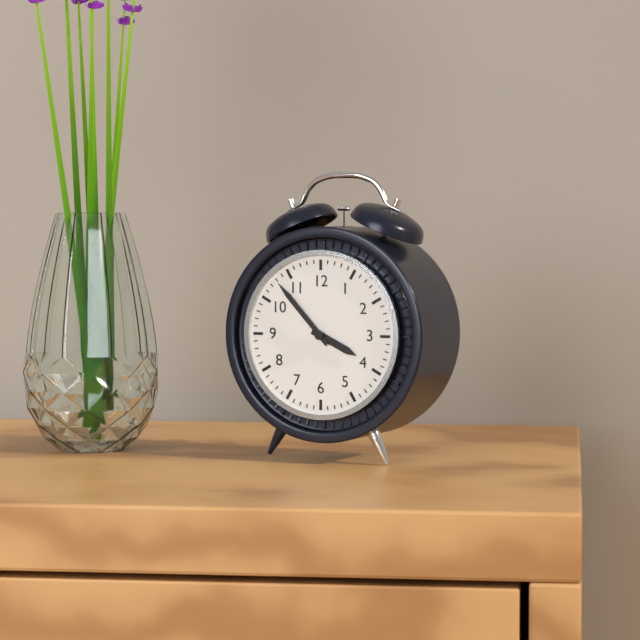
h=3 m=53
